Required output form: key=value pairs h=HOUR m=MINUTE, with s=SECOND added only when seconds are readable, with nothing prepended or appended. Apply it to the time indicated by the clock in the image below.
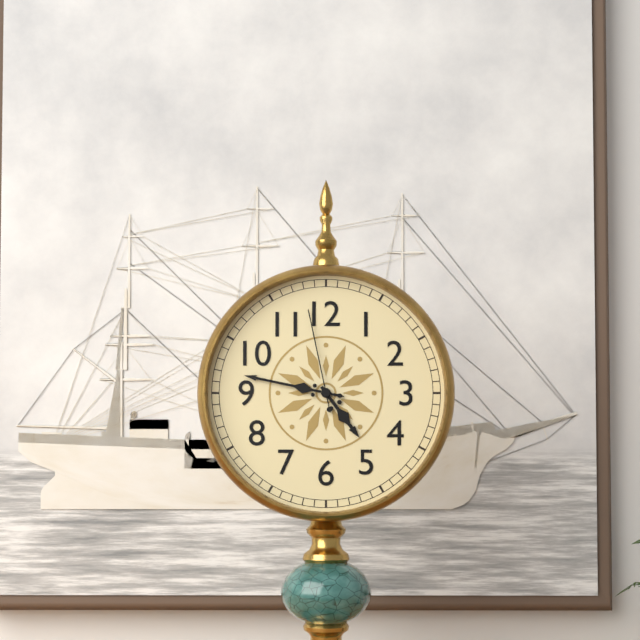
h=4 m=47 s=58
